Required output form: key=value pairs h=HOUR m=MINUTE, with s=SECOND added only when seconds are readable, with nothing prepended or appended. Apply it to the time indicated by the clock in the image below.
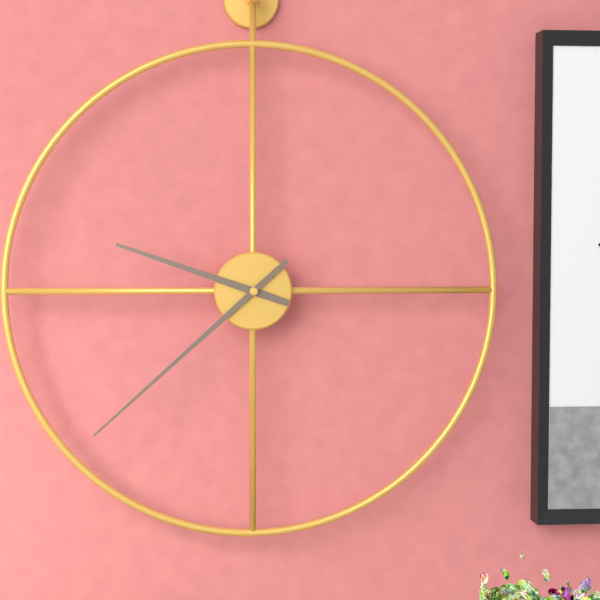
h=9 m=38
